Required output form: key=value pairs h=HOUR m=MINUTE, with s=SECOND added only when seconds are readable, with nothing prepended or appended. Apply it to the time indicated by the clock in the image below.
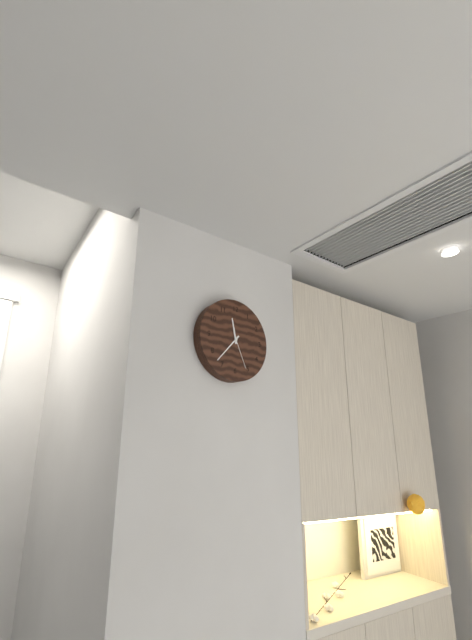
h=11 m=37
